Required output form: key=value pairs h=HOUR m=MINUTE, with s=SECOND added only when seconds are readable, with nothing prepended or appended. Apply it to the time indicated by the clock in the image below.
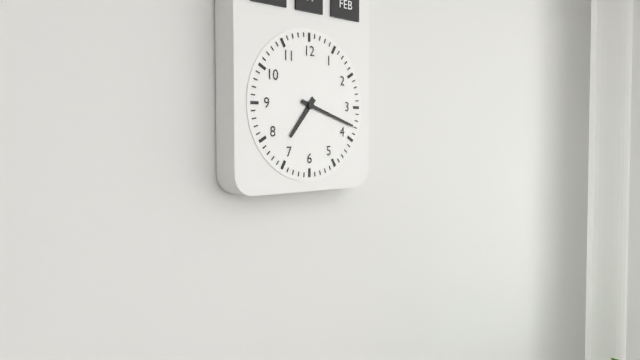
h=7 m=18
